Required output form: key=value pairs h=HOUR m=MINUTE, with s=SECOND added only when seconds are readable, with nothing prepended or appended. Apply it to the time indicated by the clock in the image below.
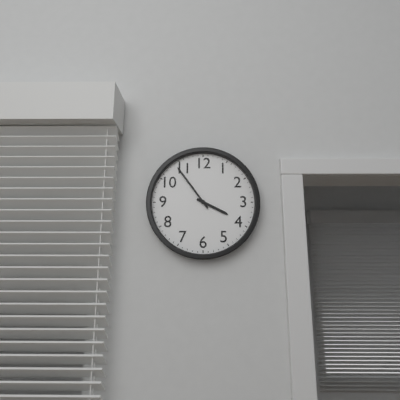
h=3 m=54
